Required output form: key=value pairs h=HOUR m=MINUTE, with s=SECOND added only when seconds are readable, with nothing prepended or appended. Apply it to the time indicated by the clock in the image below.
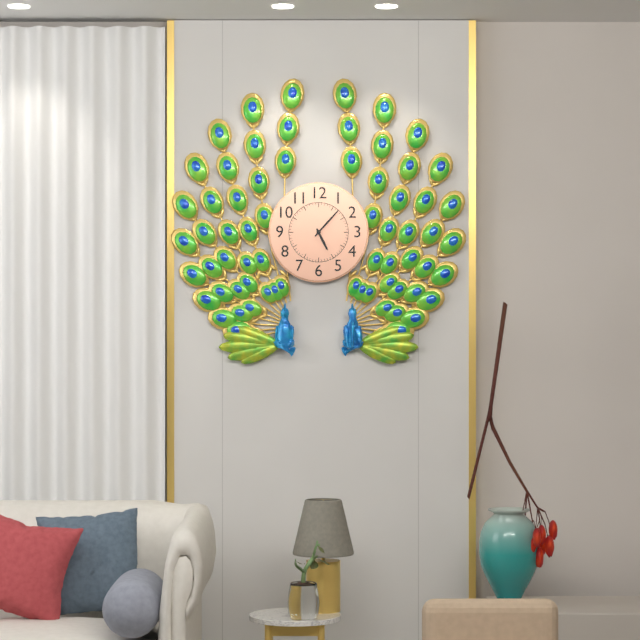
h=5 m=7
